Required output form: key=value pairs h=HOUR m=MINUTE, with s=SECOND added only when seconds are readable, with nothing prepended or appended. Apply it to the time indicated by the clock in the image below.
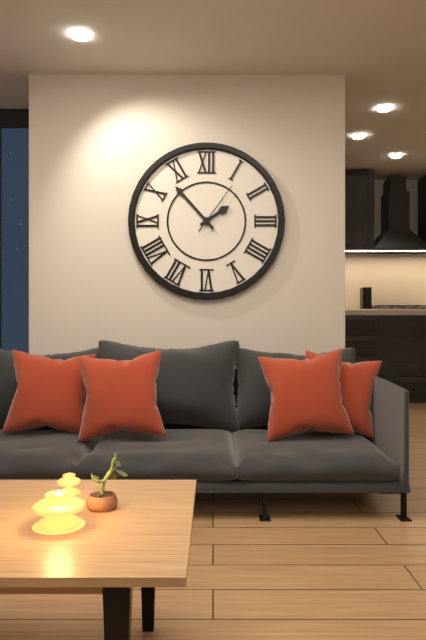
h=1 m=53 s=6
